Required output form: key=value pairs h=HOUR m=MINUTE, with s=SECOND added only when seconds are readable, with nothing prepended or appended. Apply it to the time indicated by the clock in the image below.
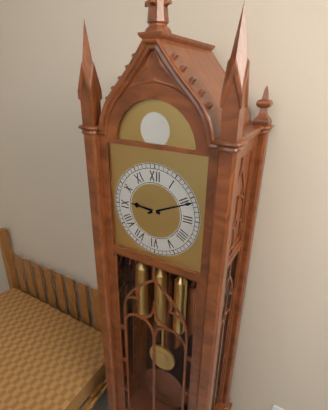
h=9 m=11
